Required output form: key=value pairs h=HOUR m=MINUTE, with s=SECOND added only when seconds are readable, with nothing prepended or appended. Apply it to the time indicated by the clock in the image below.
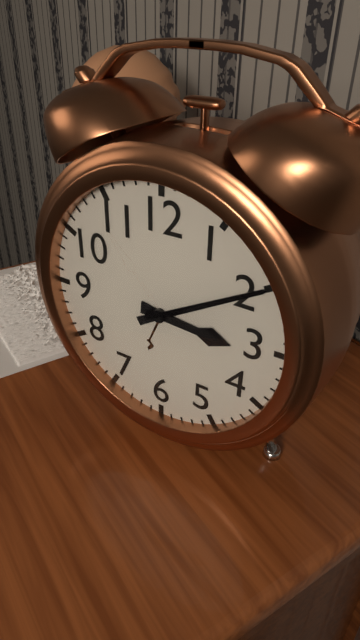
h=3 m=10
